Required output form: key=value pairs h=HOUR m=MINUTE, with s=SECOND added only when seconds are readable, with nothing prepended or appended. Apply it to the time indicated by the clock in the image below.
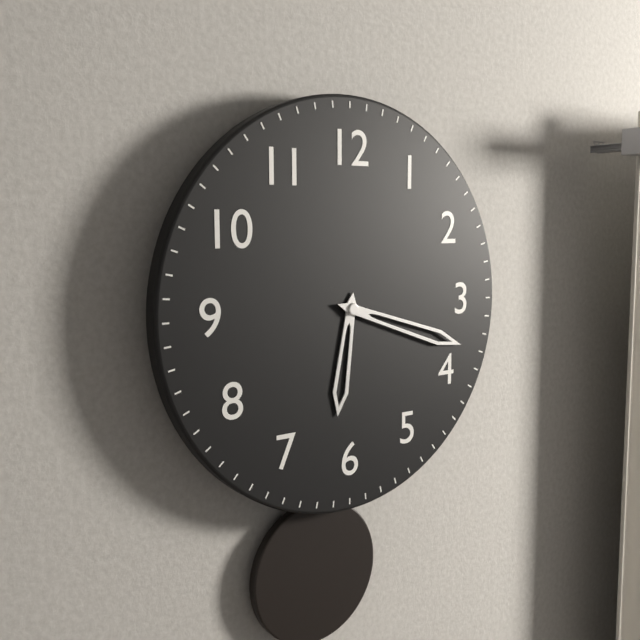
h=6 m=18
